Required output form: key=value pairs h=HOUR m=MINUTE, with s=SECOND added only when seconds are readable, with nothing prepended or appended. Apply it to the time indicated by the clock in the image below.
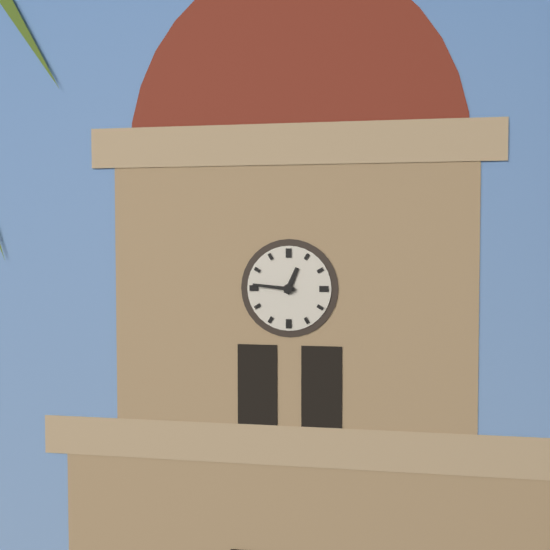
h=12 m=46
